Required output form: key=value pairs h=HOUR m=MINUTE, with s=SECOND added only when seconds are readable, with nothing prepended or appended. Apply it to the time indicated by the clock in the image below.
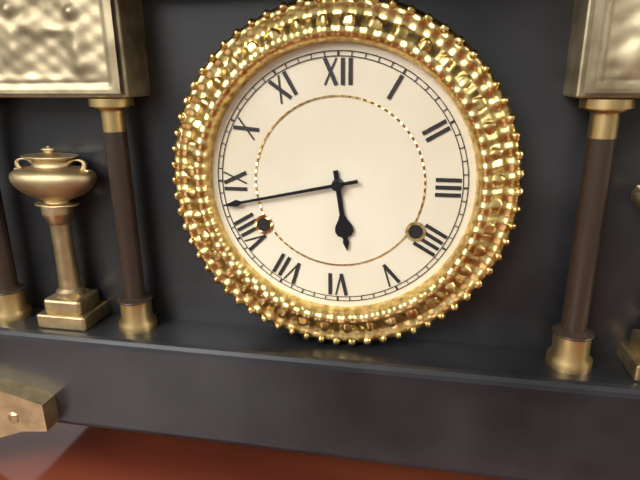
h=5 m=43
